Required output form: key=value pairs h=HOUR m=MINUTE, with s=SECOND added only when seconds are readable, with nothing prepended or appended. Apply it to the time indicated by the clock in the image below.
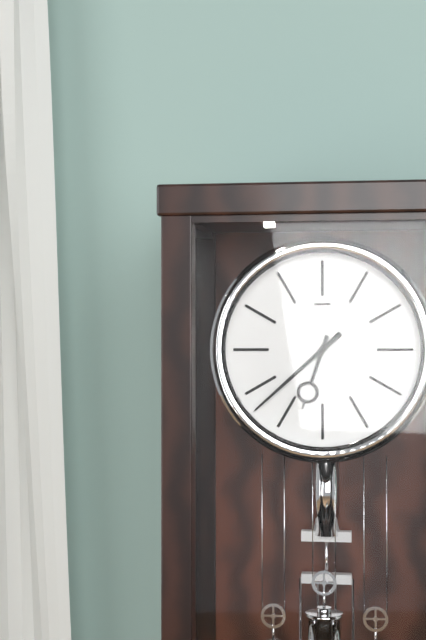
h=6 m=38
